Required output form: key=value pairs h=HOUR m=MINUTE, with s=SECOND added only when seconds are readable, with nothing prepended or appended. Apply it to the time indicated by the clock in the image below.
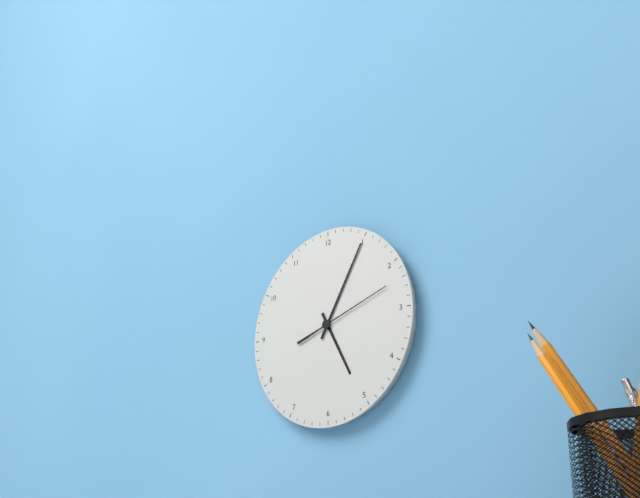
h=5 m=5 s=12
